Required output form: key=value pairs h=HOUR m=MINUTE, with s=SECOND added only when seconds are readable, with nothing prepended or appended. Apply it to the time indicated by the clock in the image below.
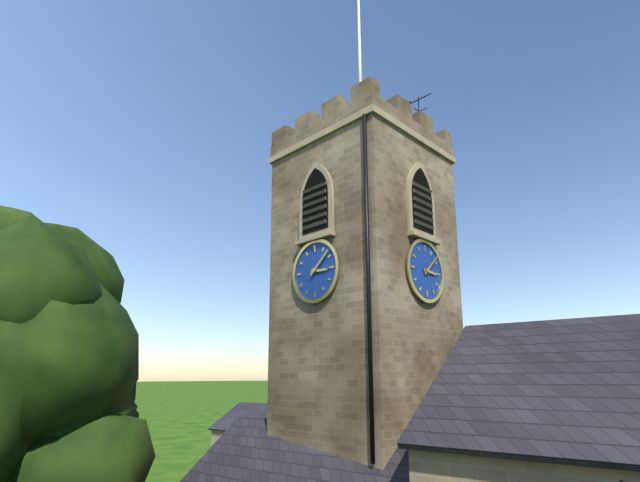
h=3 m=8
